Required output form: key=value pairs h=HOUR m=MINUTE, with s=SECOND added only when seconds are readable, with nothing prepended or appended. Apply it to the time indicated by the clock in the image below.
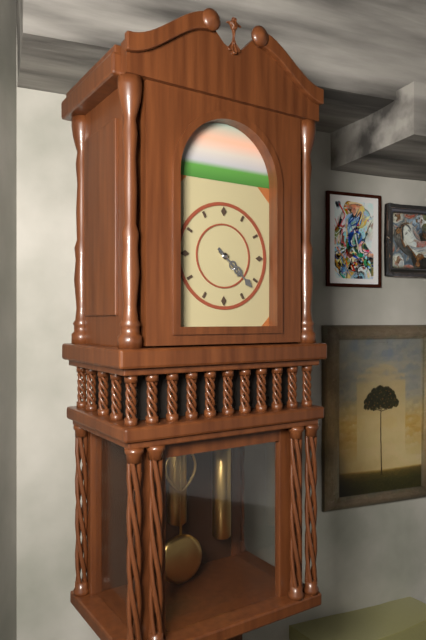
h=4 m=22
